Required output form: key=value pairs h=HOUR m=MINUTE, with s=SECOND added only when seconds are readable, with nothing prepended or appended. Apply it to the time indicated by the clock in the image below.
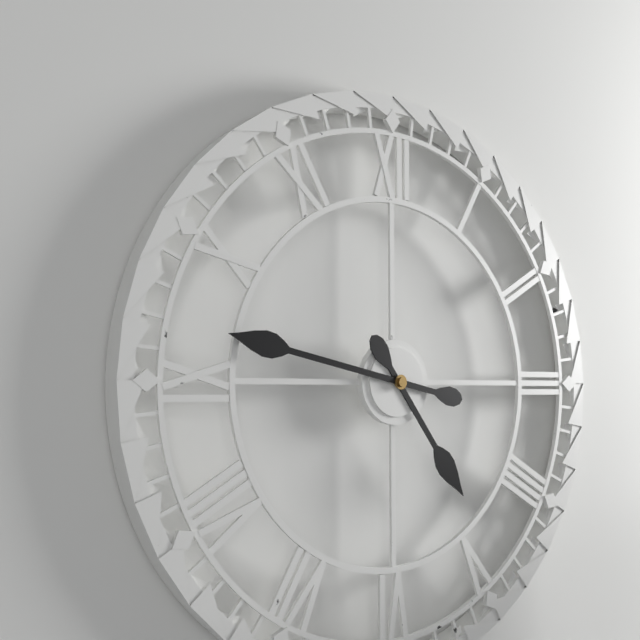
h=4 m=47
